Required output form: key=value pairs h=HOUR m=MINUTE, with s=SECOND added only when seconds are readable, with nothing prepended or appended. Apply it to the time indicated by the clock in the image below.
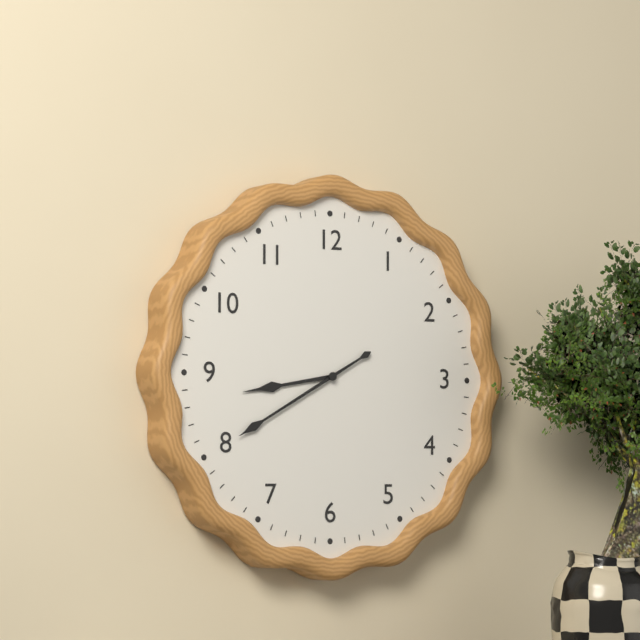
h=8 m=40
